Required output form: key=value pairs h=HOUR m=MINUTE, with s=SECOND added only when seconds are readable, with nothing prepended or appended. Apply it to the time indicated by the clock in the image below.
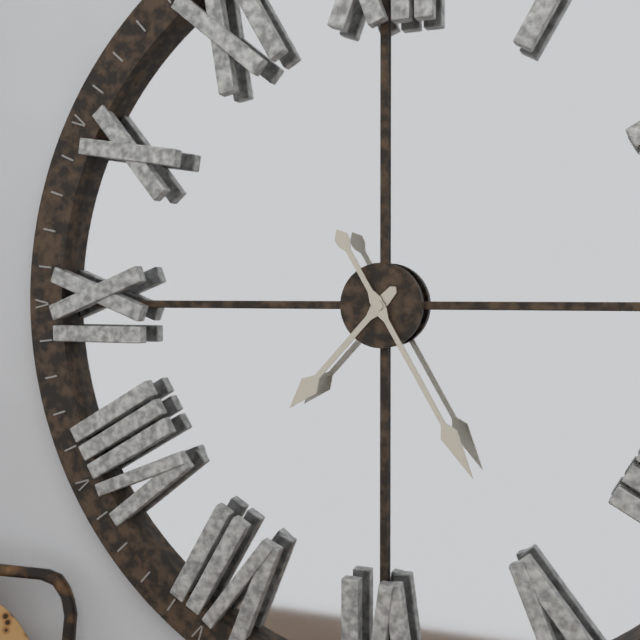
h=7 m=25
